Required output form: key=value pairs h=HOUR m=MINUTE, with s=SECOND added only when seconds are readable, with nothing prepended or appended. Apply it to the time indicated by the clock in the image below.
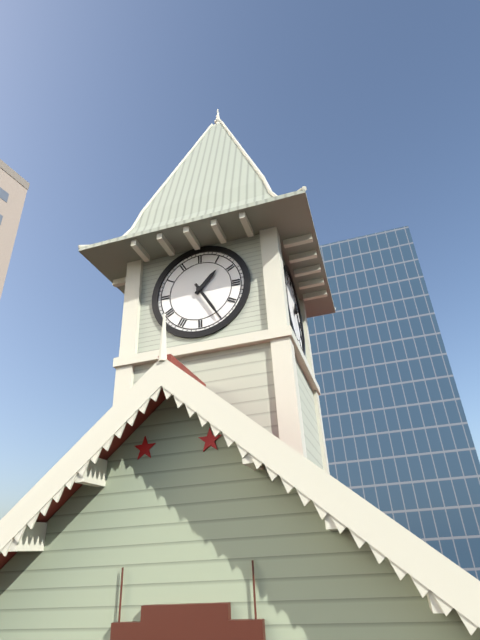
h=1 m=25
